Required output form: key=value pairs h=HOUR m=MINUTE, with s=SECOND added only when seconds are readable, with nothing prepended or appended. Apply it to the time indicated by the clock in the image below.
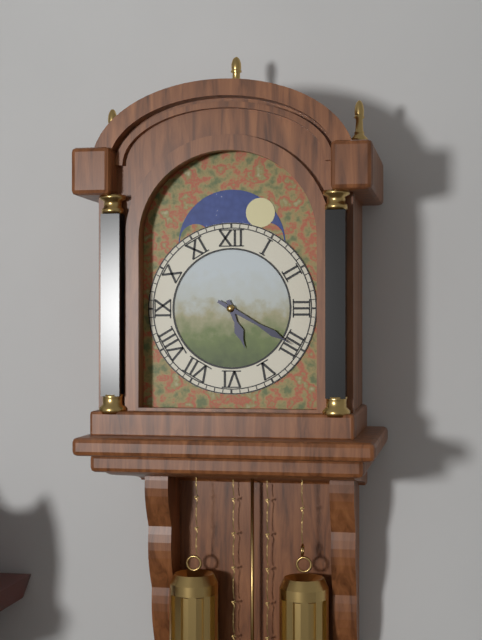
h=5 m=20
